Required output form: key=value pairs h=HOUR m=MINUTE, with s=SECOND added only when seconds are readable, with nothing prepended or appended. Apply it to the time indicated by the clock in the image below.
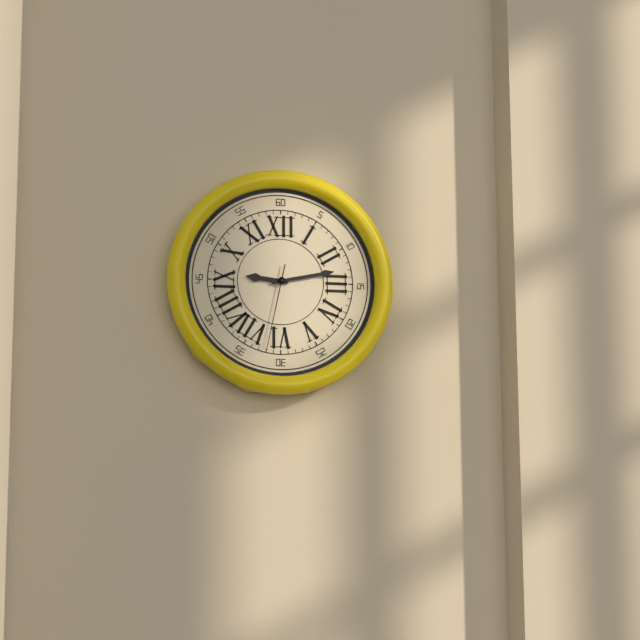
h=9 m=13 s=32
